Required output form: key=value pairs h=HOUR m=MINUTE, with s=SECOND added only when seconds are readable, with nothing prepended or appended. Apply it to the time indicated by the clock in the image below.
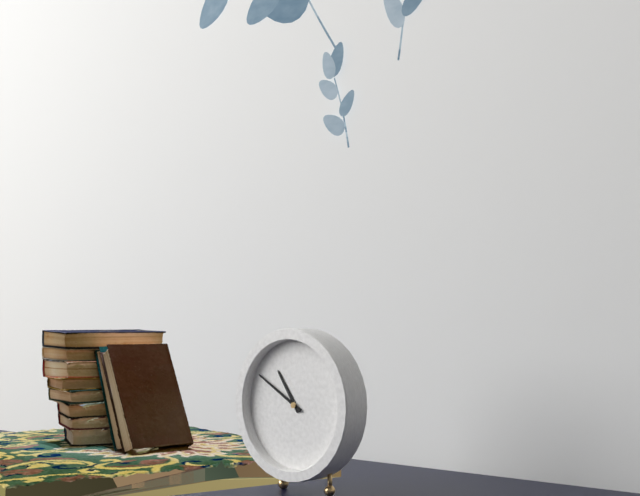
h=10 m=50
